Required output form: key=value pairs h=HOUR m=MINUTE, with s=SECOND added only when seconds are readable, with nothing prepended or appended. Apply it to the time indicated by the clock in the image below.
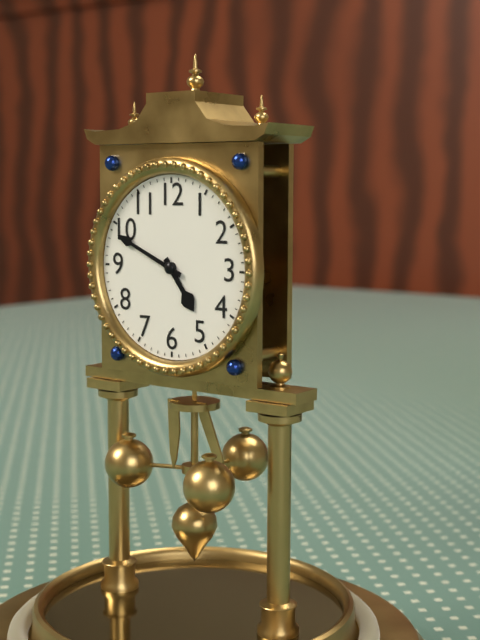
h=4 m=49
